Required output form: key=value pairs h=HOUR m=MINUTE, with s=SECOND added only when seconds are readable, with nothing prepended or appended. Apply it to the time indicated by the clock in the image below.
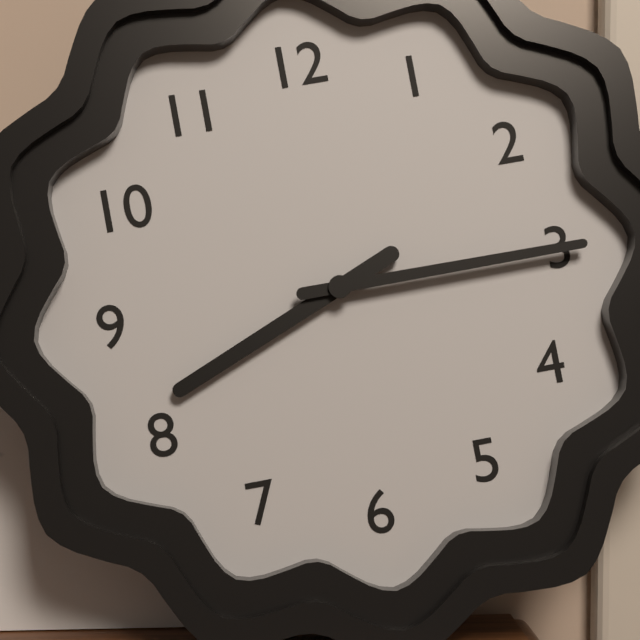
h=8 m=15
